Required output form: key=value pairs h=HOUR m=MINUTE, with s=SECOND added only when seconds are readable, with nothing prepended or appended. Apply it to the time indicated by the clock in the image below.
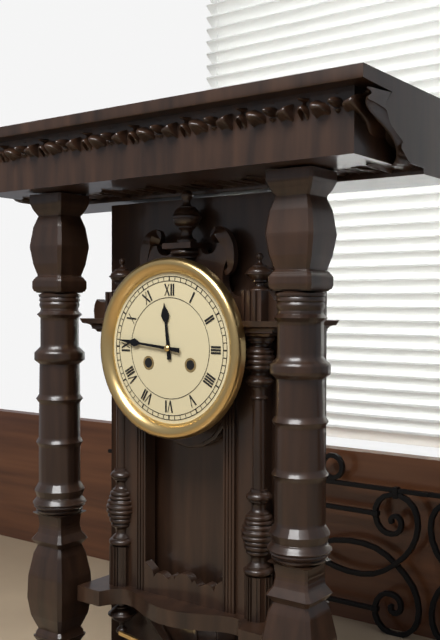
h=11 m=46
